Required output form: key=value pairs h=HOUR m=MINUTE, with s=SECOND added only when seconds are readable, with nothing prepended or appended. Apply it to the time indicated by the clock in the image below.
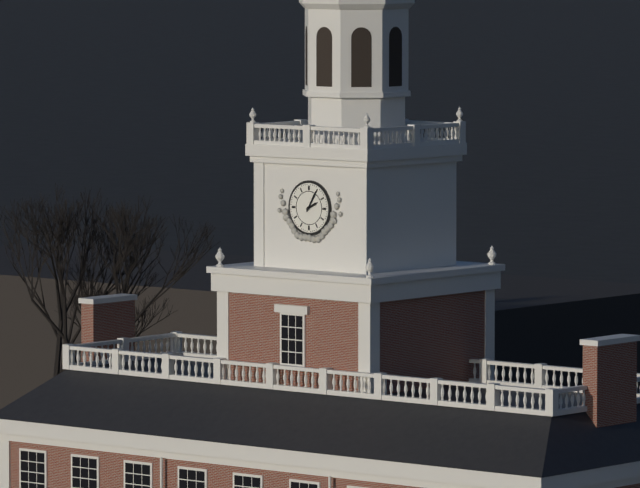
h=2 m=5
